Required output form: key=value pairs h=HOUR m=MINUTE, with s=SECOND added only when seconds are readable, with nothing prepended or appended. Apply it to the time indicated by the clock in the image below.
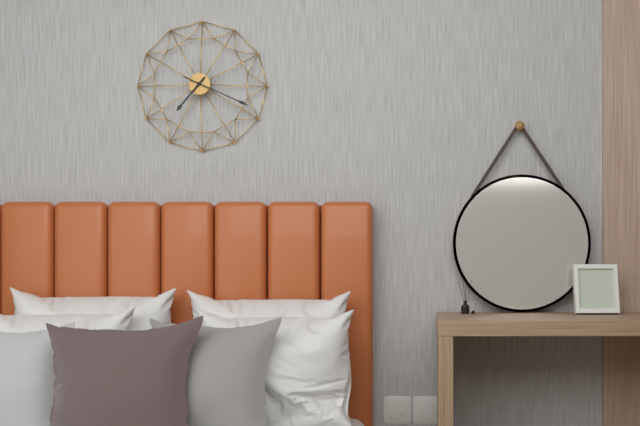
h=7 m=19
